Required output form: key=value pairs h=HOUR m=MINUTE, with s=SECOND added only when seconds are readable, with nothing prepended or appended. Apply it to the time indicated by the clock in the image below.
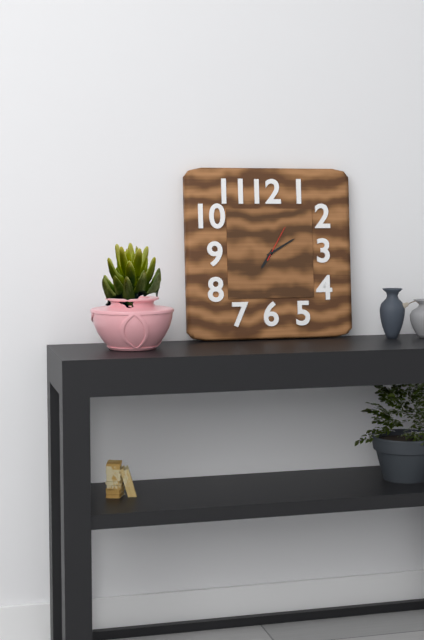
h=7 m=10
